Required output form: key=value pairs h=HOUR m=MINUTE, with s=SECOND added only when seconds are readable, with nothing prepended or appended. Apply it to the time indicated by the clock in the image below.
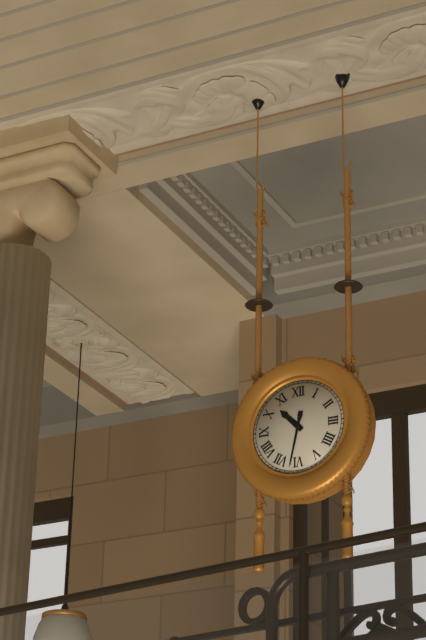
h=10 m=32
